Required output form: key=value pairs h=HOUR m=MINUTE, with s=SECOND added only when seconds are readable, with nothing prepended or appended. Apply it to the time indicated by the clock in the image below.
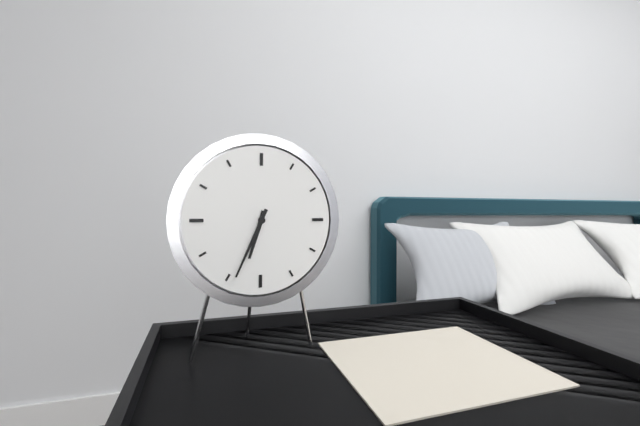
h=6 m=34
